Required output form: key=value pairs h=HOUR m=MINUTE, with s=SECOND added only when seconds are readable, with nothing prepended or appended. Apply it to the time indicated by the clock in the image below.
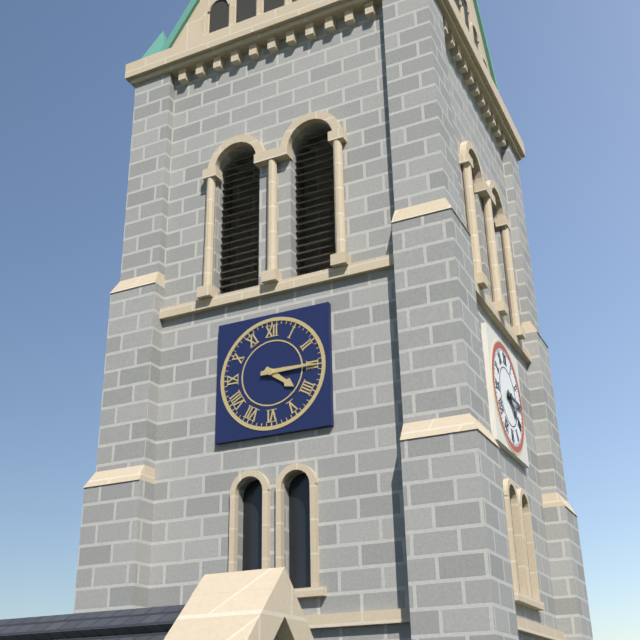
h=4 m=15
